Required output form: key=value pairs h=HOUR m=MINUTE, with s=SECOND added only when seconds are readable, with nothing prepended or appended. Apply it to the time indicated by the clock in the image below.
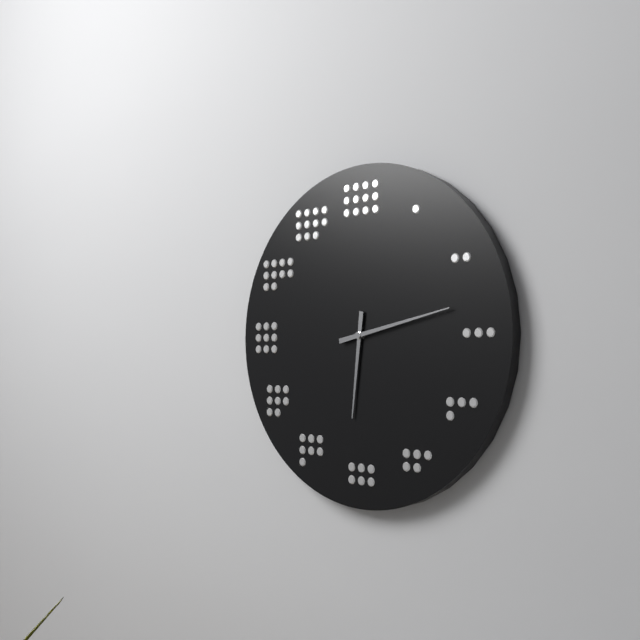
h=6 m=13
